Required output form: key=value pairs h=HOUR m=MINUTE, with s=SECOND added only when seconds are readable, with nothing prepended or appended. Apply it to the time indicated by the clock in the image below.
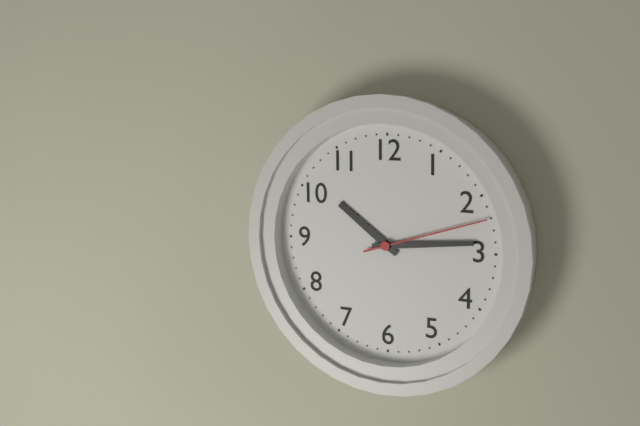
h=10 m=14 s=12
